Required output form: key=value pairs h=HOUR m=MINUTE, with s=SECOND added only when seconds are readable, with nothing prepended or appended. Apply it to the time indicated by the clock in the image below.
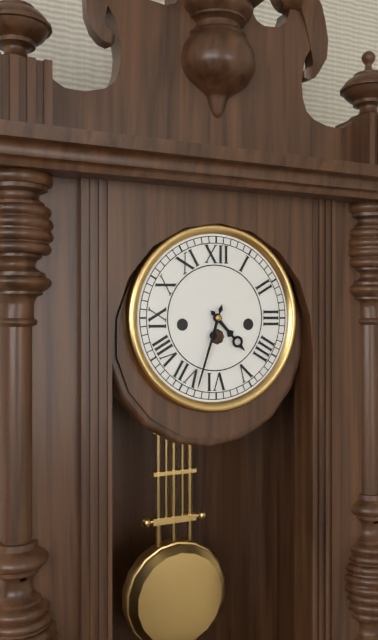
h=4 m=33
